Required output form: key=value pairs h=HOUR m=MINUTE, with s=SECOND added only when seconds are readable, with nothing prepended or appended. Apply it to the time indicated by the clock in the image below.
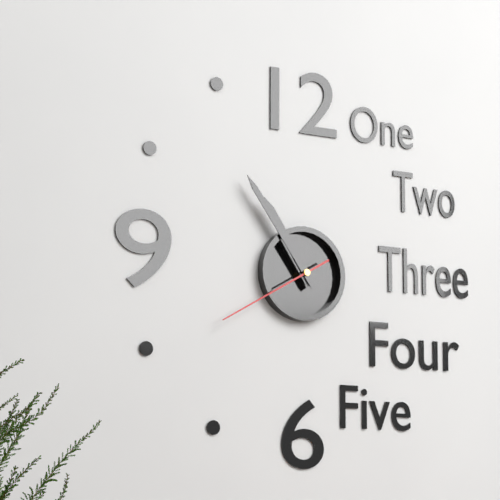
h=10 m=54 s=40
